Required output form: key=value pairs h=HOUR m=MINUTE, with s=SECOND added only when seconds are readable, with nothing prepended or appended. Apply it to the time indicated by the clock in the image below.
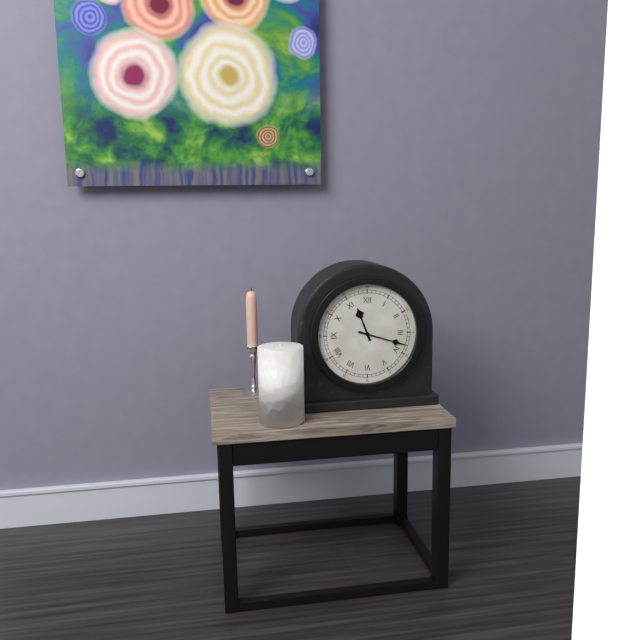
h=11 m=18
